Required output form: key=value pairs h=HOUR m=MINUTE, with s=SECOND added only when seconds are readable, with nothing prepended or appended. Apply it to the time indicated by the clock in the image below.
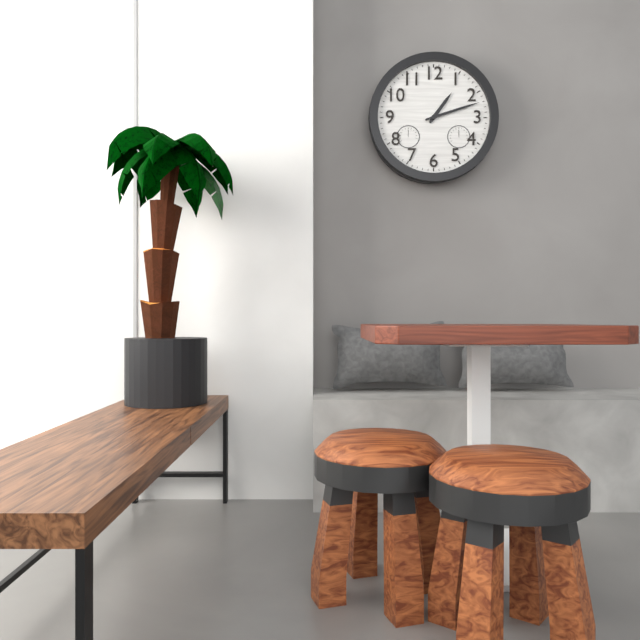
h=1 m=12
